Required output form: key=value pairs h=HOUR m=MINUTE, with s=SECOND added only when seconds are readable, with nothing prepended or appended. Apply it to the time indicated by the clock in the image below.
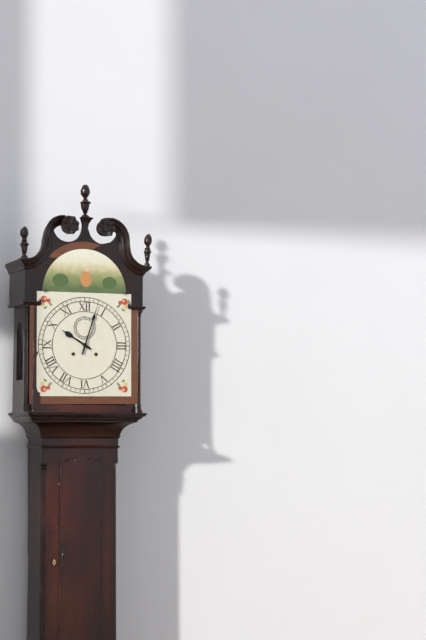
h=10 m=3
